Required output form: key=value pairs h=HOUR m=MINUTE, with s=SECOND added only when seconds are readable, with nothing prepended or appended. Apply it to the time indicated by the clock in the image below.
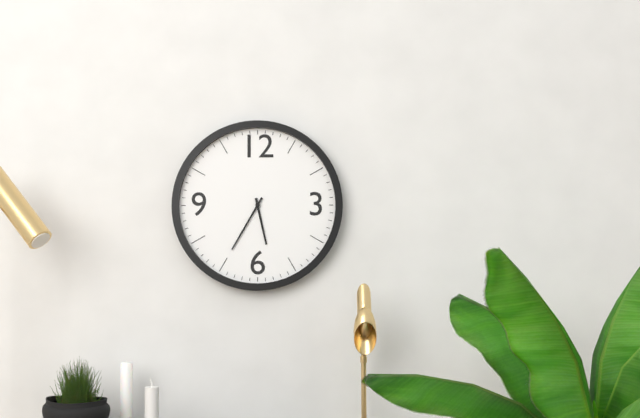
h=5 m=35
